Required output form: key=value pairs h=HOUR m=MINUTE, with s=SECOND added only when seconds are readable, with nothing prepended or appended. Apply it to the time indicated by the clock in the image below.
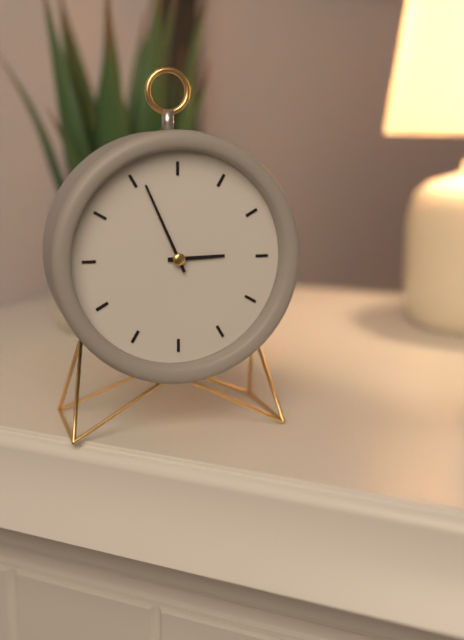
h=2 m=56
